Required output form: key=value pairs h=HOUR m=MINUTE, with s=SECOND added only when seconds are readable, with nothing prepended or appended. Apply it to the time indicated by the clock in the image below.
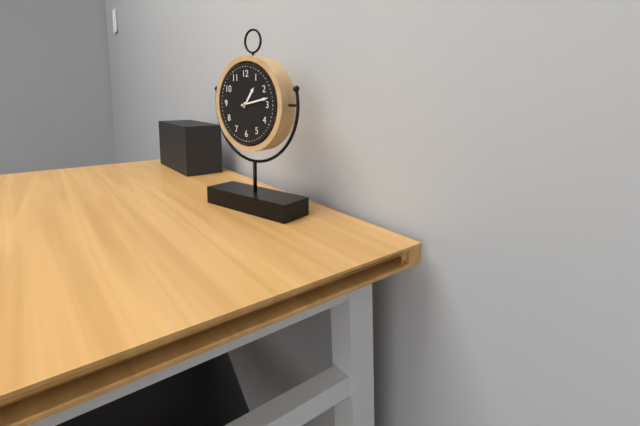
h=1 m=13
